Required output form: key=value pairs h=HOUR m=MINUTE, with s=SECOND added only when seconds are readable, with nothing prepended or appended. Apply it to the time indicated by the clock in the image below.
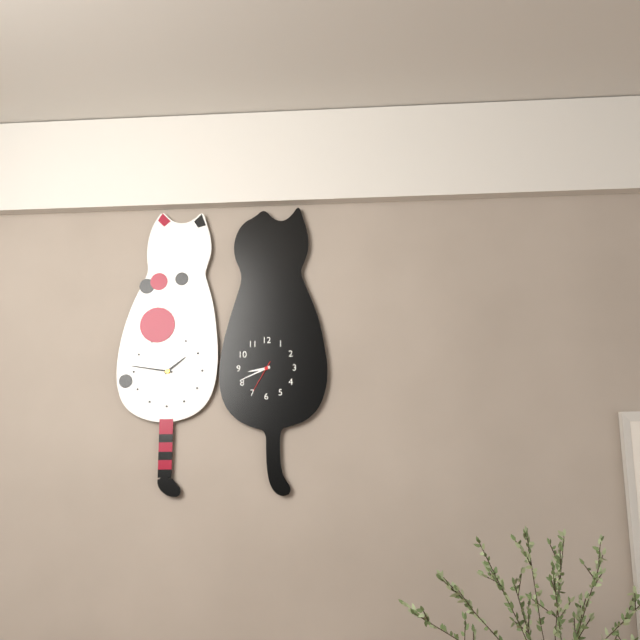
h=8 m=41
